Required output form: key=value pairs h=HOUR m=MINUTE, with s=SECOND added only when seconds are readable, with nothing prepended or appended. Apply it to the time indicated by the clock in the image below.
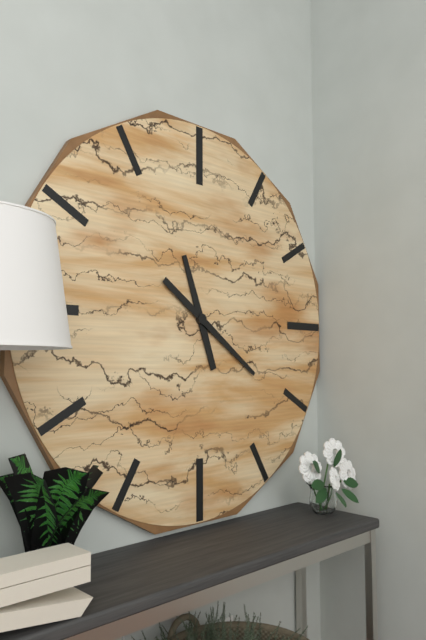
h=11 m=21
